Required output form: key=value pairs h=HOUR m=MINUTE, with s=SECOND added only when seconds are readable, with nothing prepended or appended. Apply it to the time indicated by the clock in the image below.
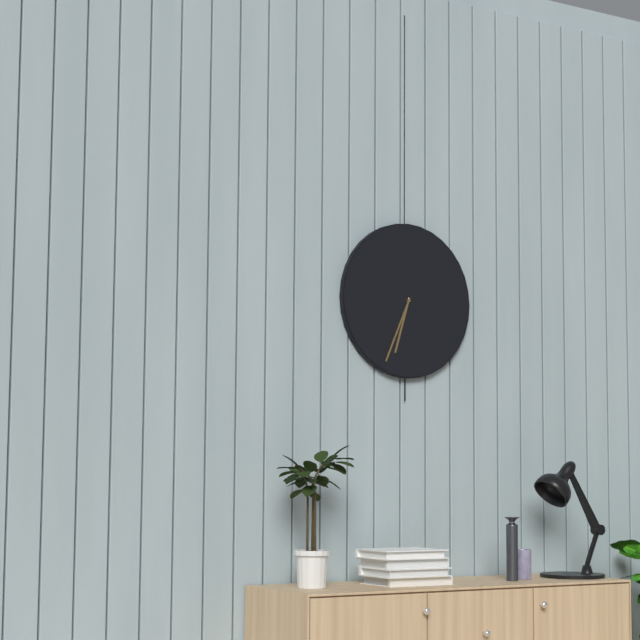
h=6 m=34
